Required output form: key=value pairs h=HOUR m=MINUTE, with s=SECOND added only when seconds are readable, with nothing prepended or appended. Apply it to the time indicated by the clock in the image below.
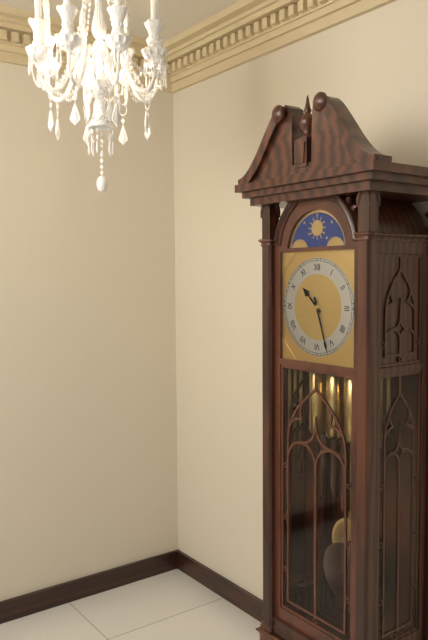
h=10 m=27
